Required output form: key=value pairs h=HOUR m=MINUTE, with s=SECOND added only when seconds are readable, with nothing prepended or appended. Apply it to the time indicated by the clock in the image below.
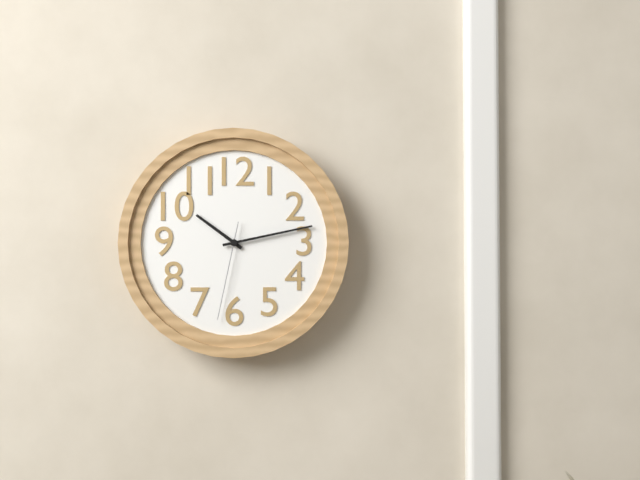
h=10 m=13 s=32
